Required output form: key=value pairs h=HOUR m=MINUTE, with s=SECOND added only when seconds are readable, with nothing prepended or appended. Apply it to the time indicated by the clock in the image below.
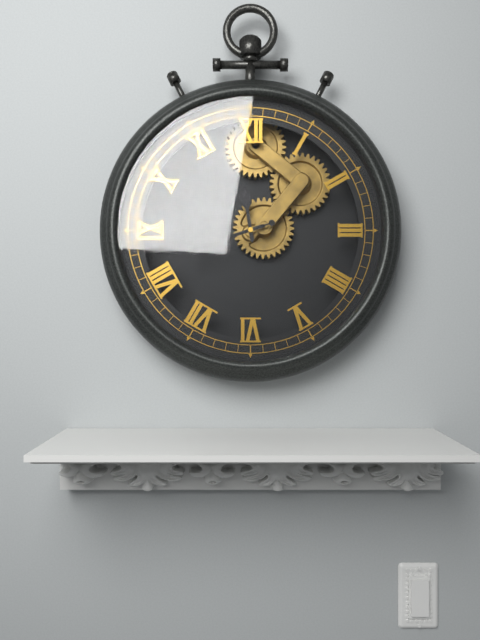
h=11 m=42 s=42
